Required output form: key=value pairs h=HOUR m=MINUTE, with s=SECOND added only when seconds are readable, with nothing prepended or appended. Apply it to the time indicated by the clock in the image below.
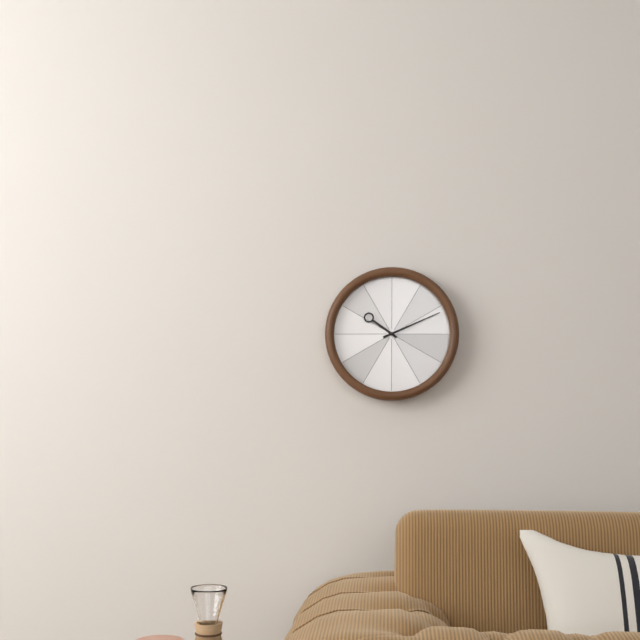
h=10 m=11
